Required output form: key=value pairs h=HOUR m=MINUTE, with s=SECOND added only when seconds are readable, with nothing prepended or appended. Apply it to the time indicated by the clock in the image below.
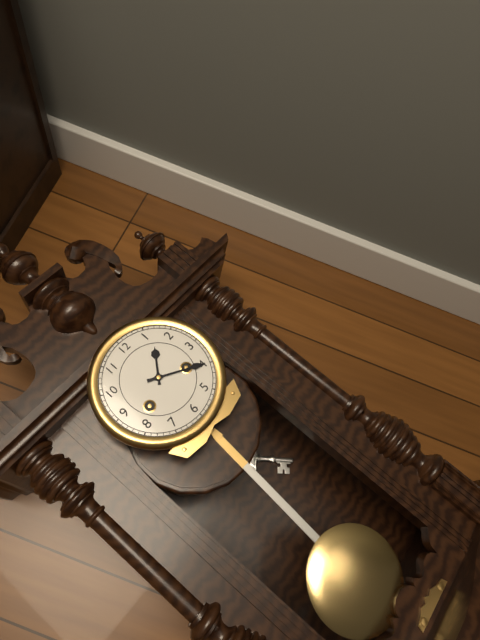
h=1 m=20
